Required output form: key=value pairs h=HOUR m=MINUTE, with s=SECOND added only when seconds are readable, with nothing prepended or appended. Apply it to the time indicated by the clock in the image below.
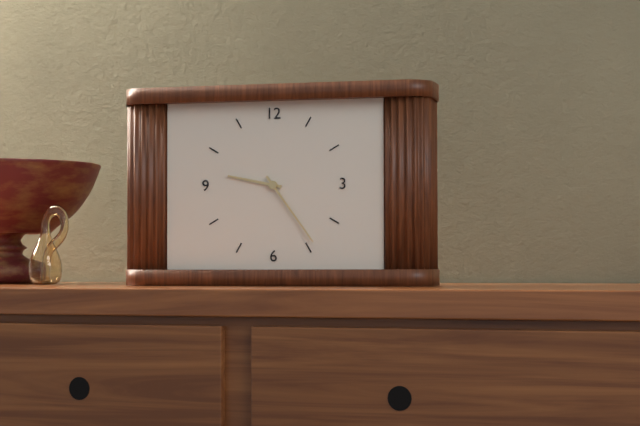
h=9 m=24
